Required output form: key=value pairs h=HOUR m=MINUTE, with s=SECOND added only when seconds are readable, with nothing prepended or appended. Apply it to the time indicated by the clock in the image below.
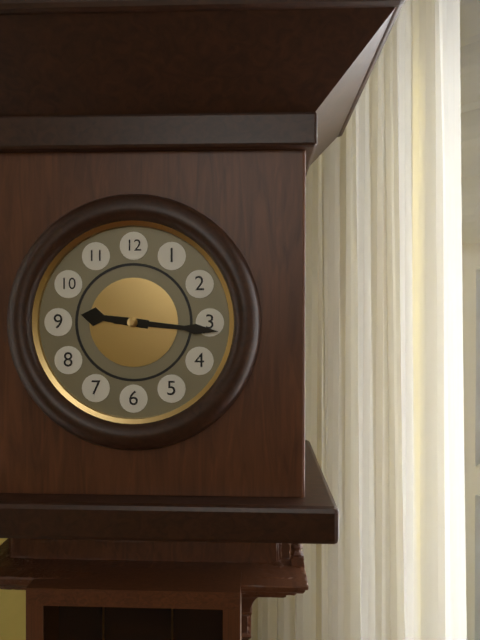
h=9 m=16
